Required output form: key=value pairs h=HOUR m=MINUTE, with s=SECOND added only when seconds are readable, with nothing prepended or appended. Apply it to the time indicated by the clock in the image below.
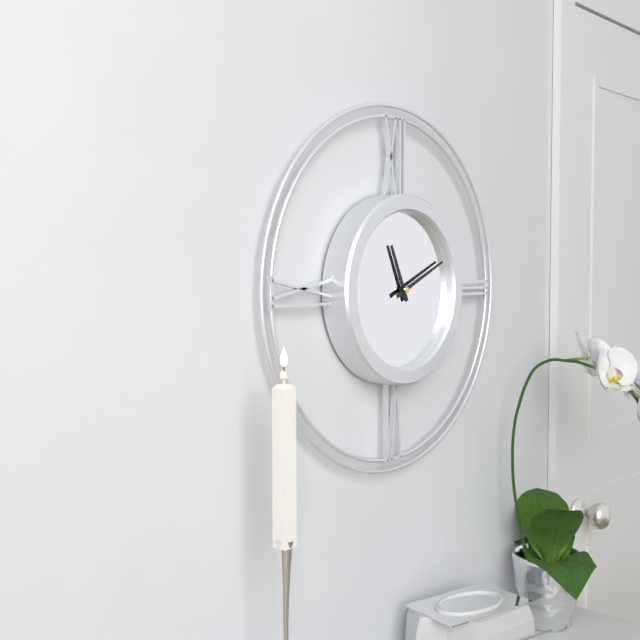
h=11 m=11
